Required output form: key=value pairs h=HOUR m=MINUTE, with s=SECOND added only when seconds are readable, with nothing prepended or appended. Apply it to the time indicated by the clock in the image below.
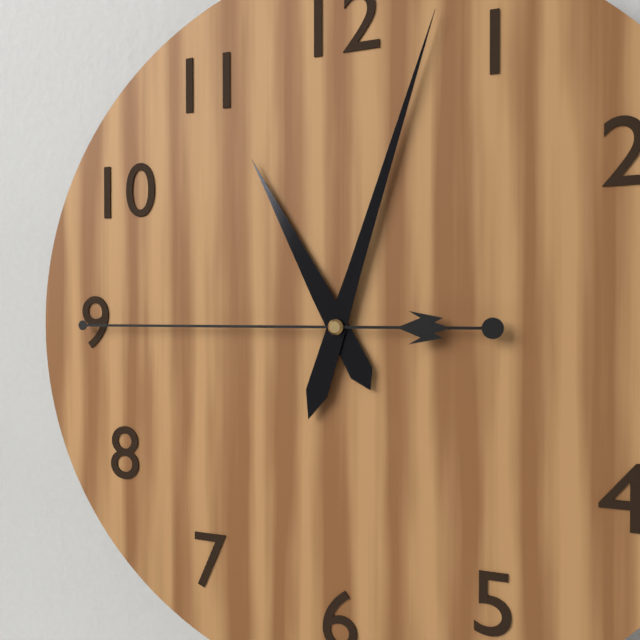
h=11 m=3 s=45
